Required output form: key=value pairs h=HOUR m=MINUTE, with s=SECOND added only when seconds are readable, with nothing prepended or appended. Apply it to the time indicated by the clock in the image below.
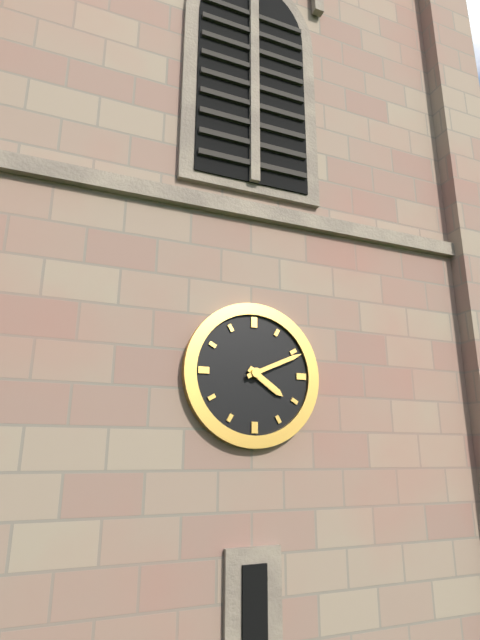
h=4 m=11
